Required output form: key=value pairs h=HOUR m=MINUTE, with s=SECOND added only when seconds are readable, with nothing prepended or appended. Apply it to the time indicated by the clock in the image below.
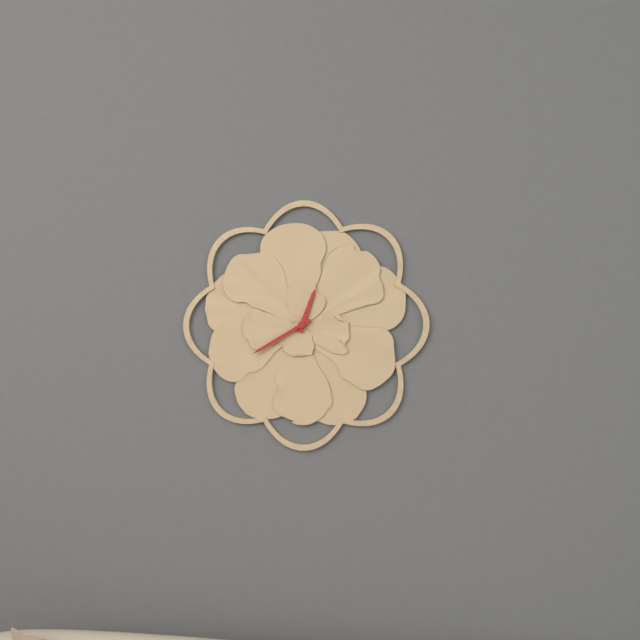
h=12 m=40
